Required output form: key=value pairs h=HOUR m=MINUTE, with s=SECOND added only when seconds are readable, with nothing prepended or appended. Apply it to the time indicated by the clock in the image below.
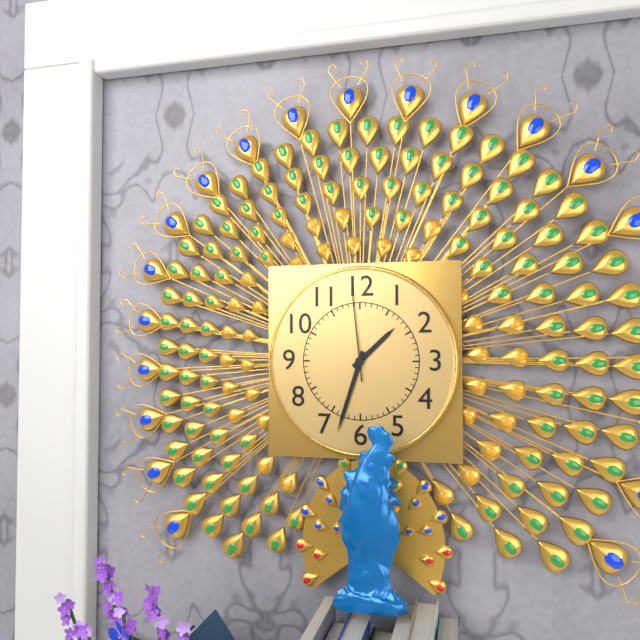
h=1 m=33 s=59
